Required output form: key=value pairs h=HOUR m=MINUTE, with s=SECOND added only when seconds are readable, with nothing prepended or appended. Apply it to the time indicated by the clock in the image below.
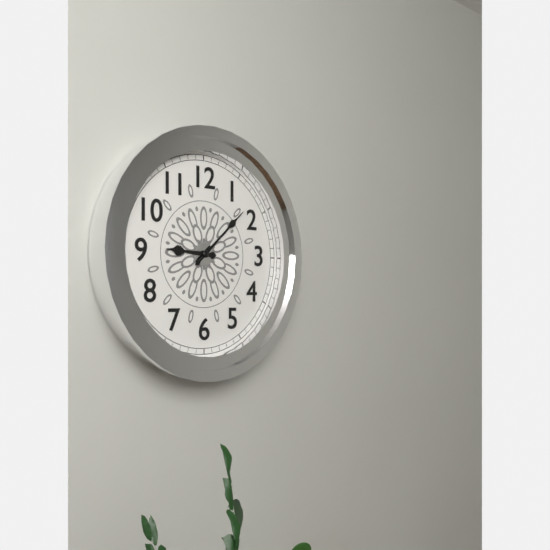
h=9 m=8
